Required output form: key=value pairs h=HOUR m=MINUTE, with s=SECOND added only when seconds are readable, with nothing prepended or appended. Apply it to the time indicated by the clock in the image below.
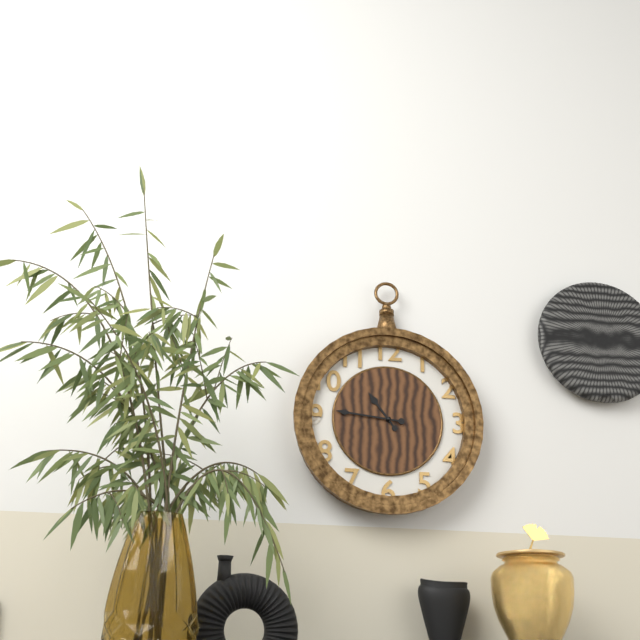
h=10 m=46
